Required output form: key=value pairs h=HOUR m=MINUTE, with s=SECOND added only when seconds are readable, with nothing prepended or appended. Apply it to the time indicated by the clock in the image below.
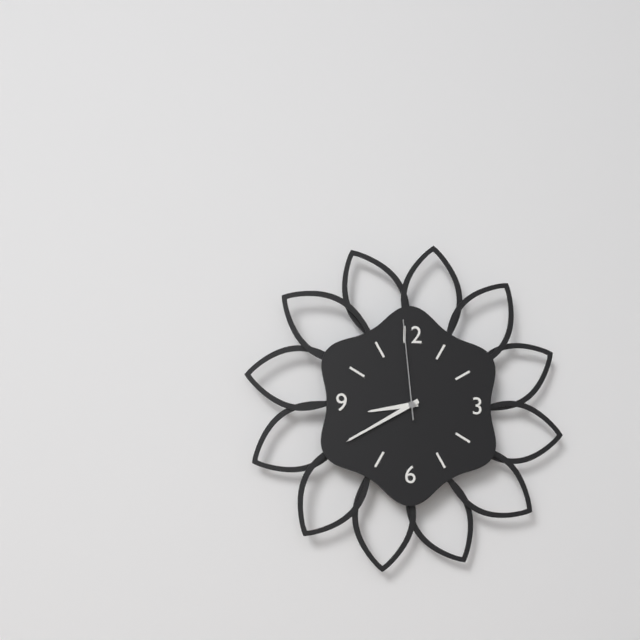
h=8 m=40 s=59
